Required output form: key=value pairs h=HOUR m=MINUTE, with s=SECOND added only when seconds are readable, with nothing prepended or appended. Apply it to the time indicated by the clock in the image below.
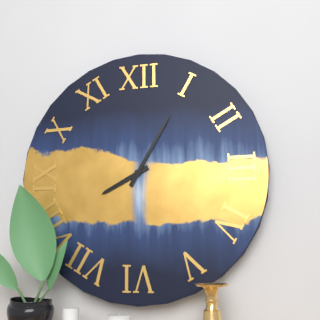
h=8 m=5
